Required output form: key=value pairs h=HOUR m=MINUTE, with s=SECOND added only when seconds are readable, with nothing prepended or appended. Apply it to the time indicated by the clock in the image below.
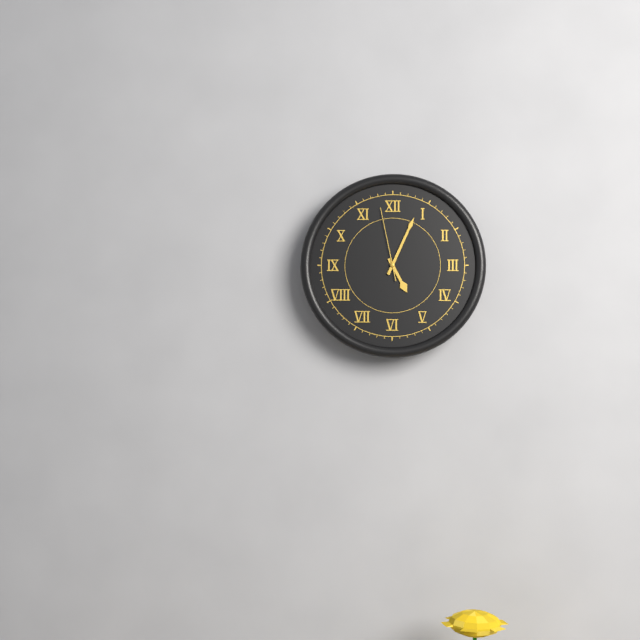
h=5 m=4 s=58
